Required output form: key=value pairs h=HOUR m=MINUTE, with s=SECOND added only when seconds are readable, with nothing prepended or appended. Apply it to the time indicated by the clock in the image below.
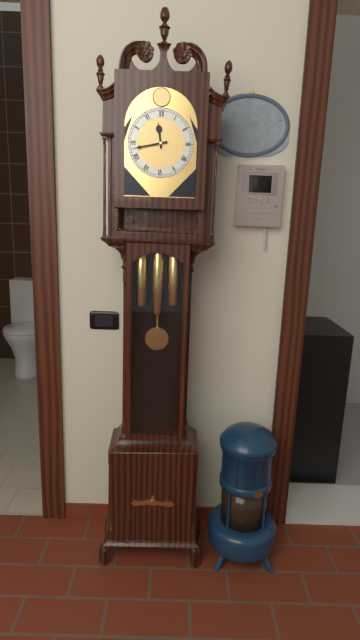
h=11 m=43
